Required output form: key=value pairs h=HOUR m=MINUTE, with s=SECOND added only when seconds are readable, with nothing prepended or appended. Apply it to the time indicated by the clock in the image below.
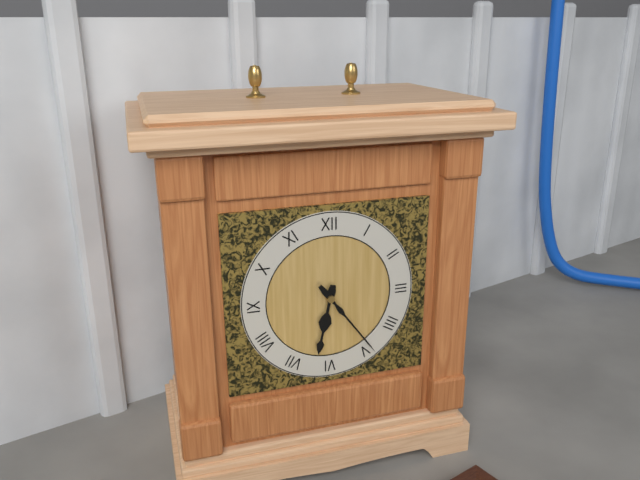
h=6 m=24
